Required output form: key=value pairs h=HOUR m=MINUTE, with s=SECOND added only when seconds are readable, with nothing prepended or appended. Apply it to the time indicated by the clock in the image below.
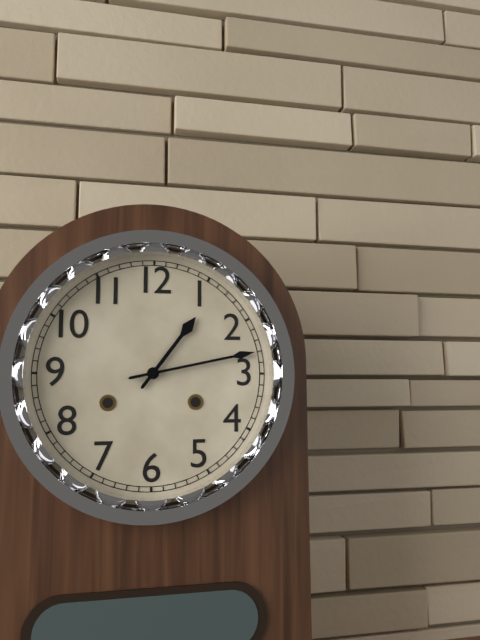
h=1 m=13
